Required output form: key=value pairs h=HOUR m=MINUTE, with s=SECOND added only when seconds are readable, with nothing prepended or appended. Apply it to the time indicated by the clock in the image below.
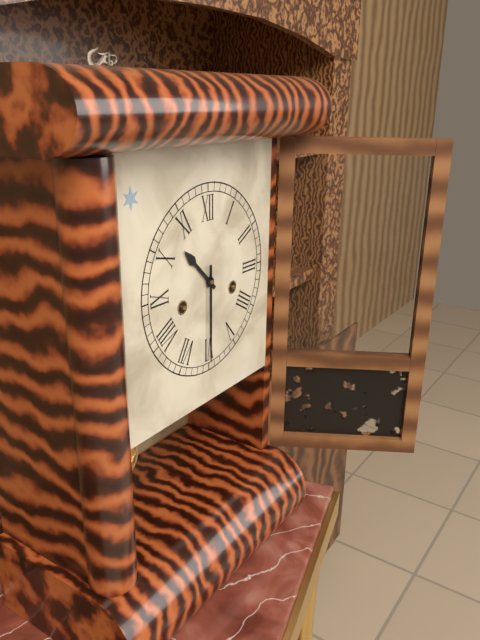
h=10 m=30
